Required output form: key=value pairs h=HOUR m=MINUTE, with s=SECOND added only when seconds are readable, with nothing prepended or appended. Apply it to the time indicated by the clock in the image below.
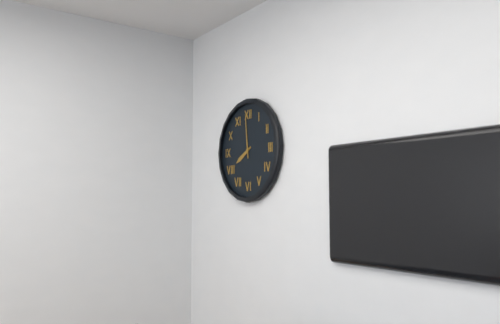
h=7 m=59
